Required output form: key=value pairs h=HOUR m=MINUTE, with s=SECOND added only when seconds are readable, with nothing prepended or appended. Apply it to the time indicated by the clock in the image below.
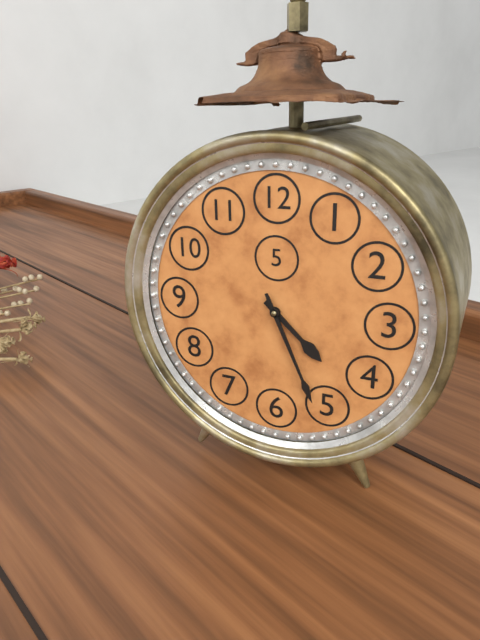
h=4 m=26
